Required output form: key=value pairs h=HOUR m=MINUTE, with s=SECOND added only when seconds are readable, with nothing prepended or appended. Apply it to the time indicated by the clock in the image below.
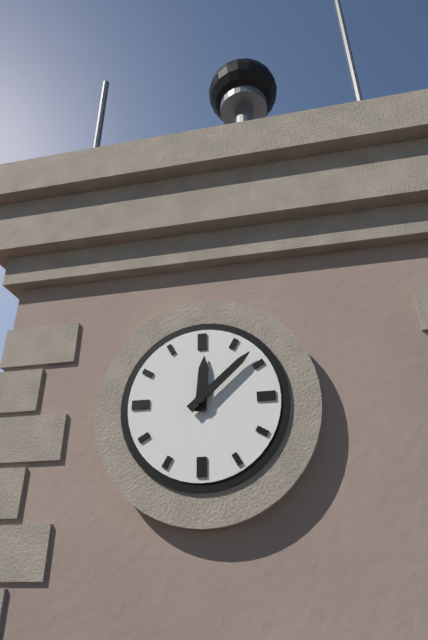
h=12 m=8
